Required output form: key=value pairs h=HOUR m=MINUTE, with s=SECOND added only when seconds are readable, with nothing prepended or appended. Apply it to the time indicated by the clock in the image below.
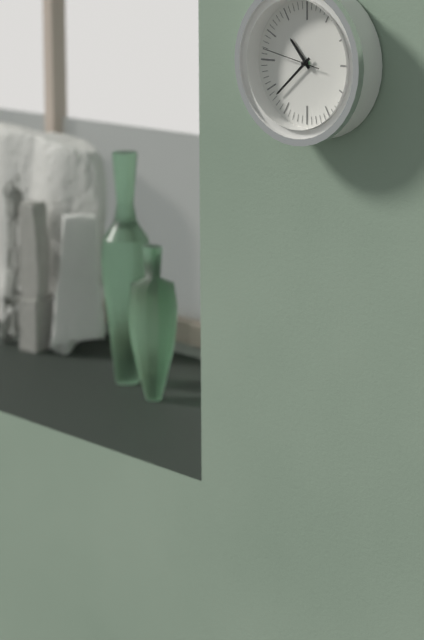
h=10 m=38 s=47
